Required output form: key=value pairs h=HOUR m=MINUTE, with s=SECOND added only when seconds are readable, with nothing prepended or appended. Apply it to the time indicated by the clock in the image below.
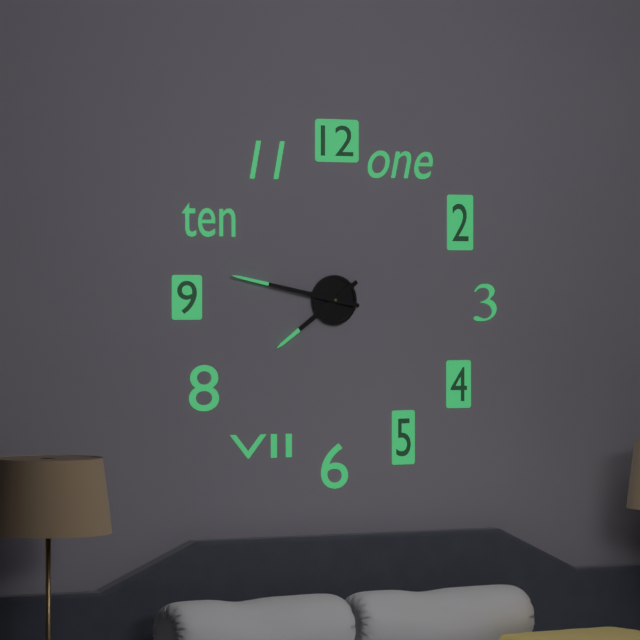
h=7 m=47
